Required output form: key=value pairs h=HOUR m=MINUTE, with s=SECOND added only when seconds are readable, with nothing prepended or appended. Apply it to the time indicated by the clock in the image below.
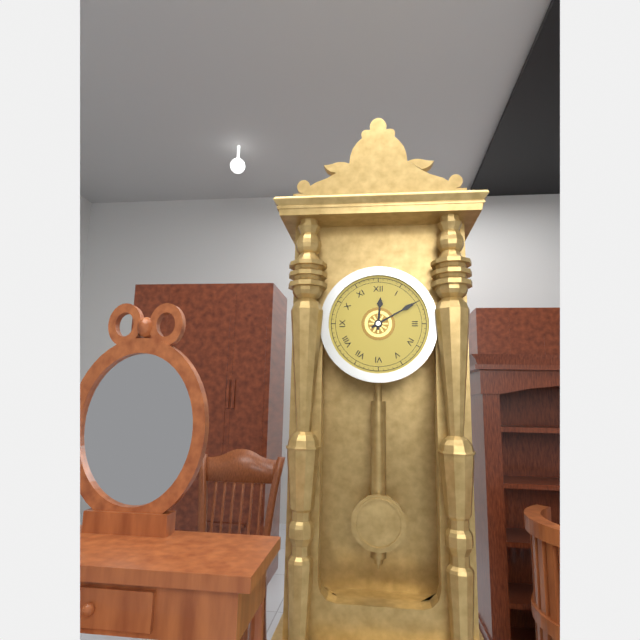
h=12 m=10
